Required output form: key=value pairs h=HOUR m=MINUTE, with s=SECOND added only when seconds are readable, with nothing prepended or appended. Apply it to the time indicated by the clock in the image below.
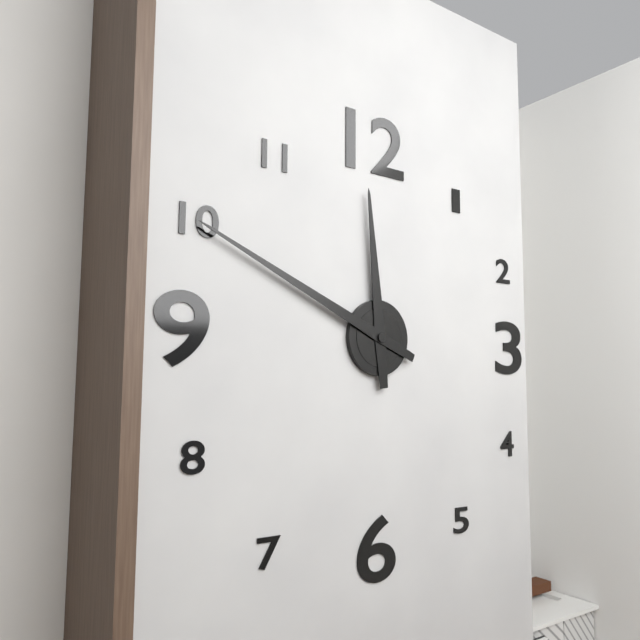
h=11 m=49
